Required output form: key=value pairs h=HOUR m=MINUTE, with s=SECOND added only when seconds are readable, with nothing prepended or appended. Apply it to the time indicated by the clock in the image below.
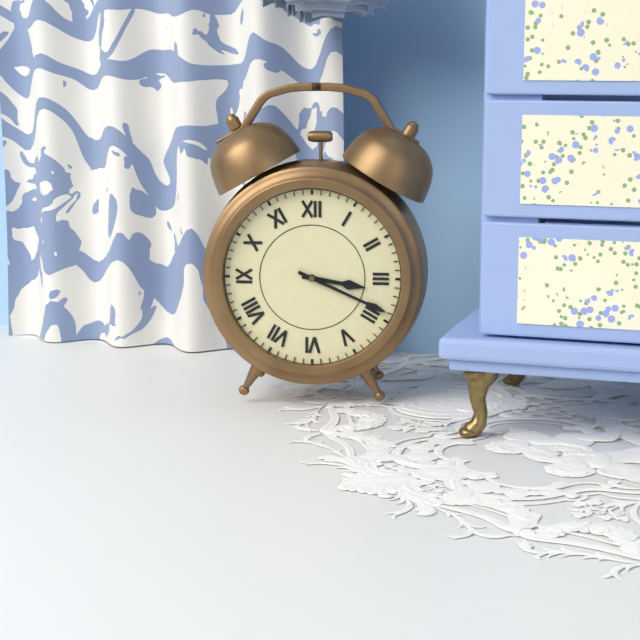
h=3 m=19
